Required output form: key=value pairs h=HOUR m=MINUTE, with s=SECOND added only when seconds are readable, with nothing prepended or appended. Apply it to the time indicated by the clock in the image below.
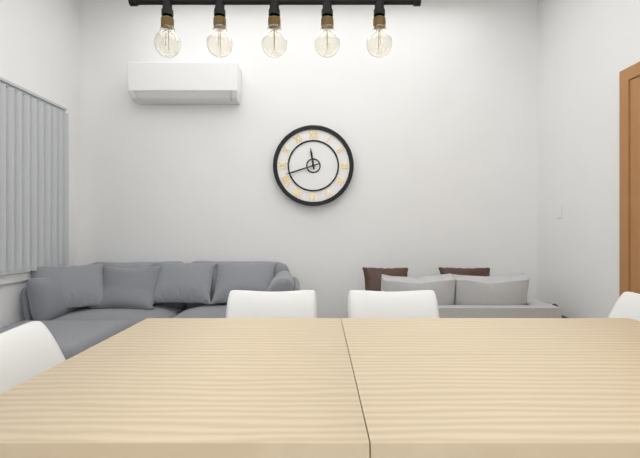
h=11 m=42
